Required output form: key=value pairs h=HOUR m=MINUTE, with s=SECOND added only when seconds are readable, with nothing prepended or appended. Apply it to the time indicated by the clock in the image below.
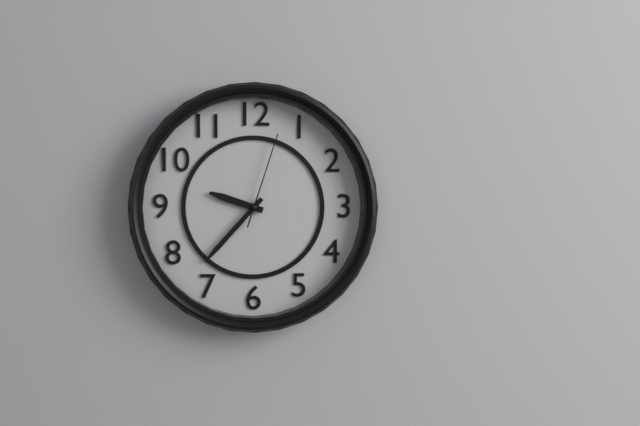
h=9 m=37 s=3
